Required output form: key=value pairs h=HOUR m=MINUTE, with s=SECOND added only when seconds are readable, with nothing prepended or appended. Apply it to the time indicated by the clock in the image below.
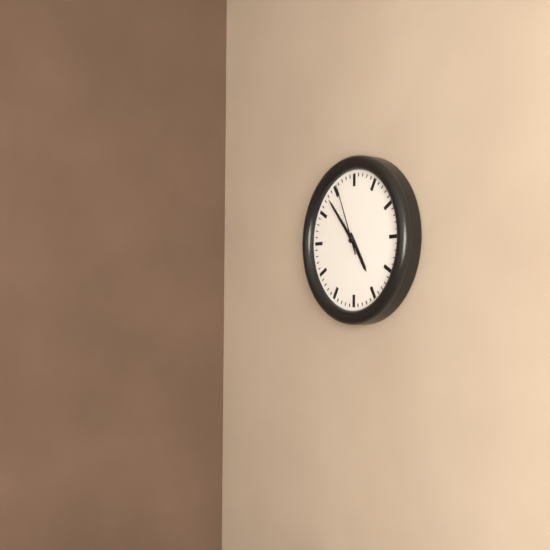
h=4 m=53 s=56
